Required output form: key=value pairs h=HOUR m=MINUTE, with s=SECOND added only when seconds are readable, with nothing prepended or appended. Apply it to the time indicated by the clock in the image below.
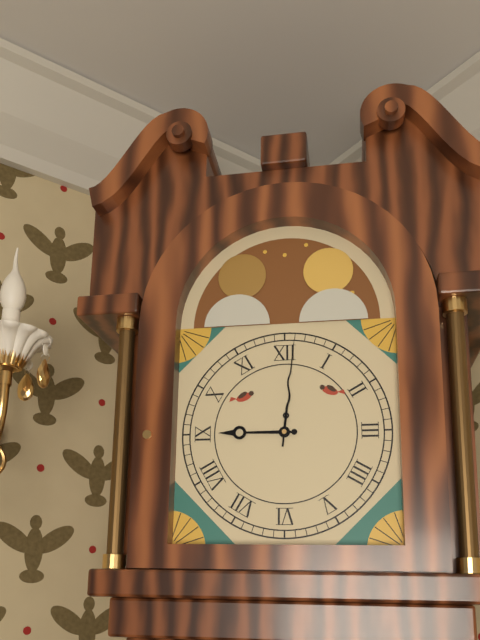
h=9 m=1
